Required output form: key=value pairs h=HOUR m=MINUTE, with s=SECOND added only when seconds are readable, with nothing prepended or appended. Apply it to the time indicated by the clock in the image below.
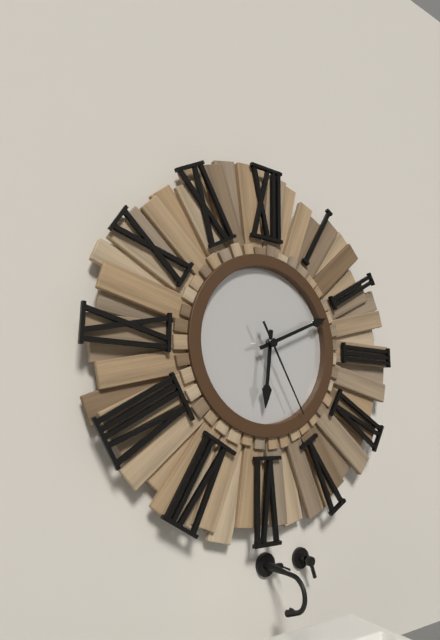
h=6 m=11 s=25
